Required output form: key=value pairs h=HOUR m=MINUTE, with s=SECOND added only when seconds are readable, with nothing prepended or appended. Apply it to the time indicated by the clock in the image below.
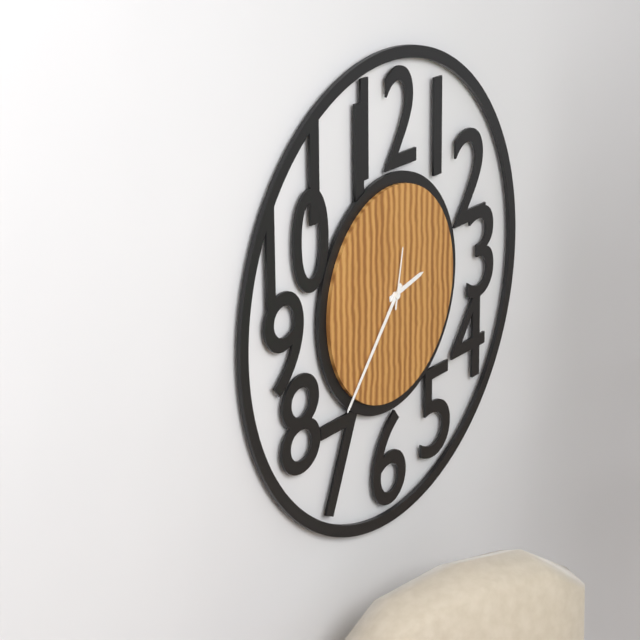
h=2 m=37 s=2
